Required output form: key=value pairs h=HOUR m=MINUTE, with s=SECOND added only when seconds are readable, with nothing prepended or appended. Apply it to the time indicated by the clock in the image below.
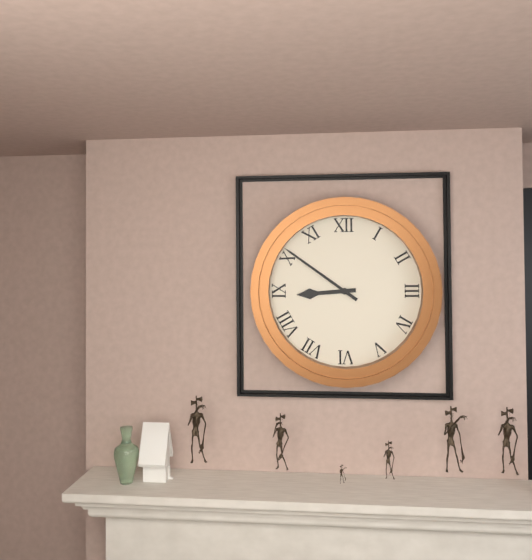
h=8 m=51
